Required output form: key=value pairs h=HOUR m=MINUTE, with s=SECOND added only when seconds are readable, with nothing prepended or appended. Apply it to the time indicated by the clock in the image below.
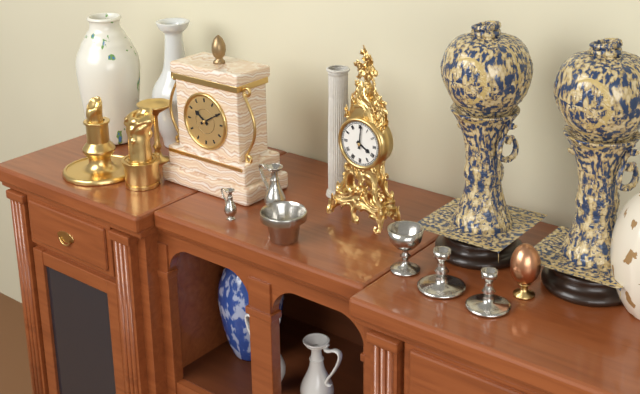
h=4 m=1
